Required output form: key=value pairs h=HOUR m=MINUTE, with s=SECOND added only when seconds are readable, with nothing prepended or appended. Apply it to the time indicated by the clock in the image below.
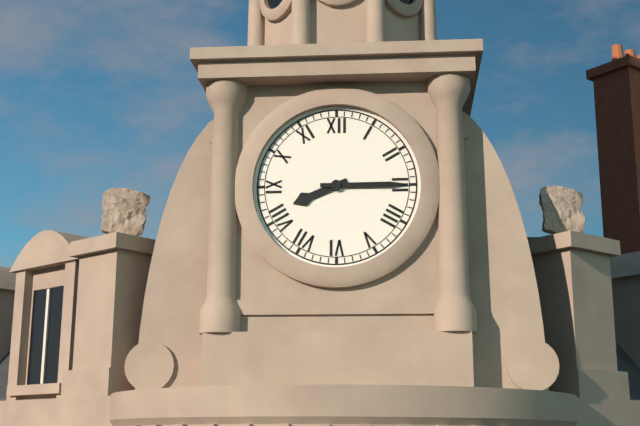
h=8 m=15
